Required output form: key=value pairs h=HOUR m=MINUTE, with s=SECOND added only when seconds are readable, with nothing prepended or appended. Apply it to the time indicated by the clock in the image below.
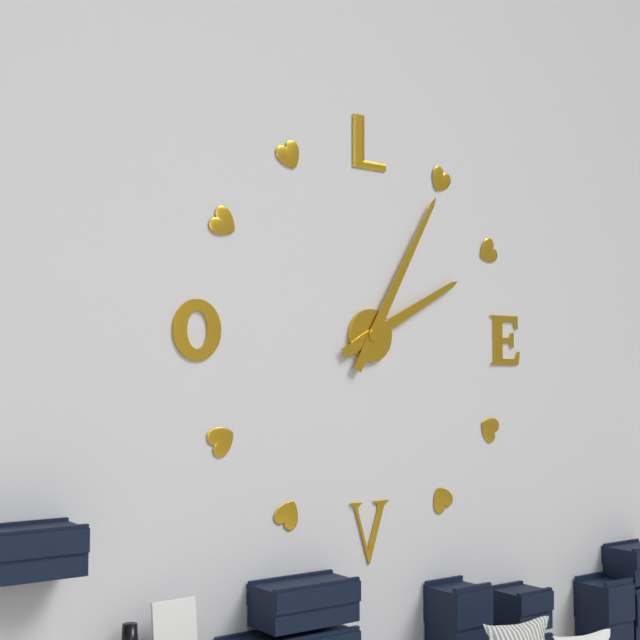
h=2 m=5
